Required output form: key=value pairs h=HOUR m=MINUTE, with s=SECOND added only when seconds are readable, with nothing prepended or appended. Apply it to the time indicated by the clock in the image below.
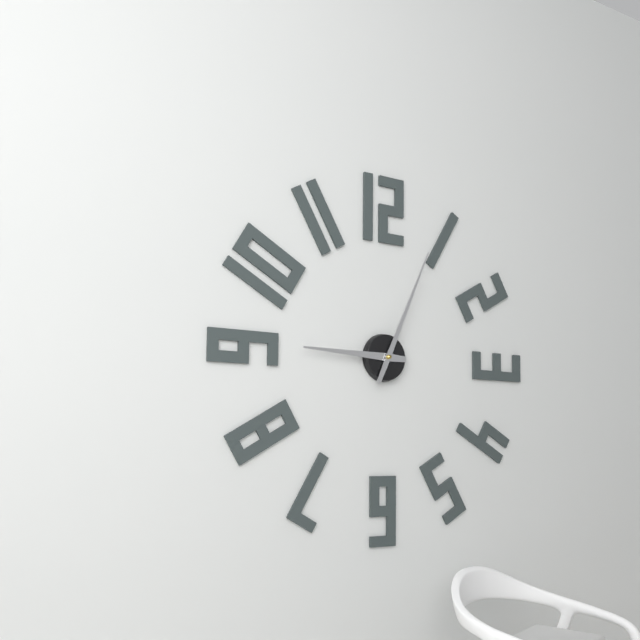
h=9 m=4
